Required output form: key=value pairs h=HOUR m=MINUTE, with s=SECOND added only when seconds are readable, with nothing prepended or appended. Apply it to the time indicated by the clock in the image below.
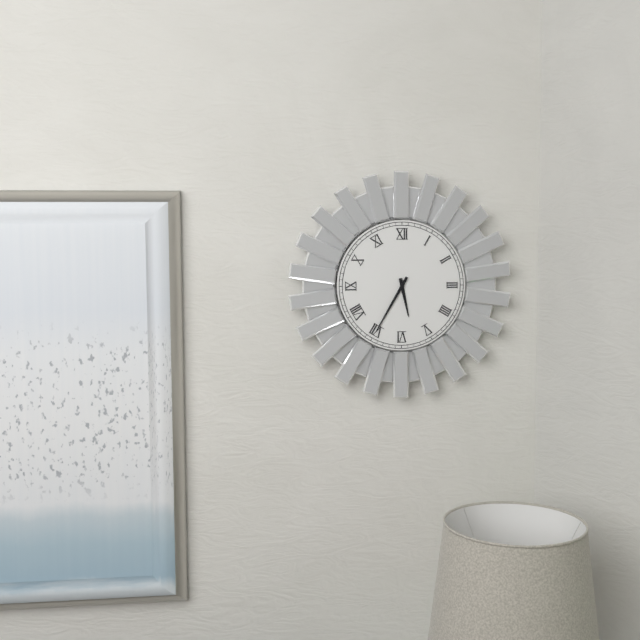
h=5 m=35
